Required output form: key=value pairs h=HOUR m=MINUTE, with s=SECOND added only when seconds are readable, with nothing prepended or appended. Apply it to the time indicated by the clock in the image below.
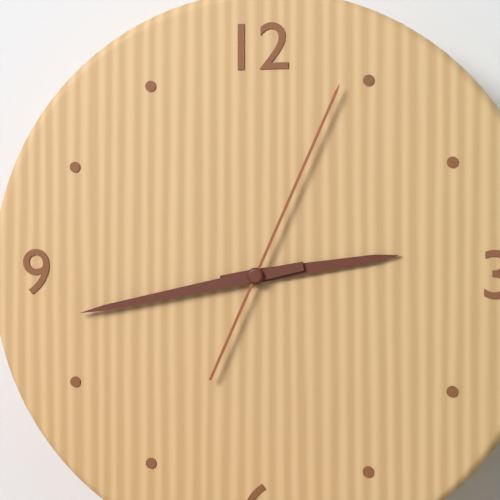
h=2 m=43 s=4
